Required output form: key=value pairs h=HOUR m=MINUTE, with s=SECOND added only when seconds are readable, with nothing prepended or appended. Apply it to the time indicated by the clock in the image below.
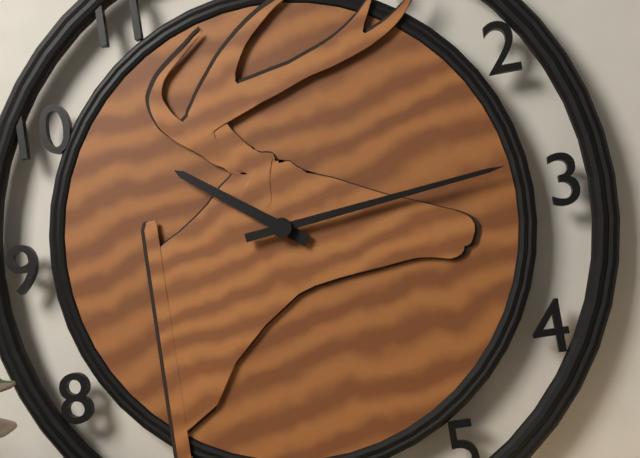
h=10 m=14
